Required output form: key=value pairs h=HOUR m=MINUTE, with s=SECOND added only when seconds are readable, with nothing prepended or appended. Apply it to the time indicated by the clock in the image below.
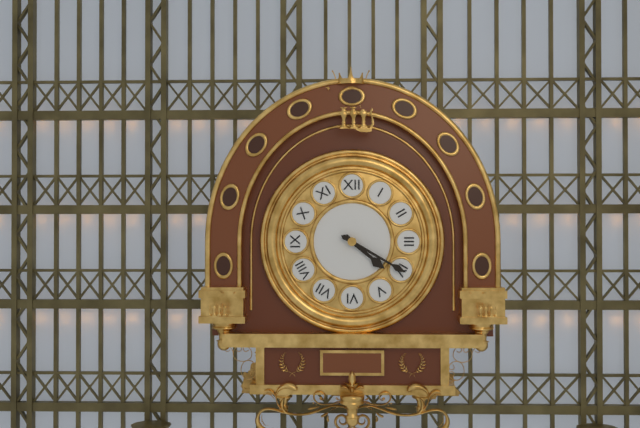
h=4 m=20
